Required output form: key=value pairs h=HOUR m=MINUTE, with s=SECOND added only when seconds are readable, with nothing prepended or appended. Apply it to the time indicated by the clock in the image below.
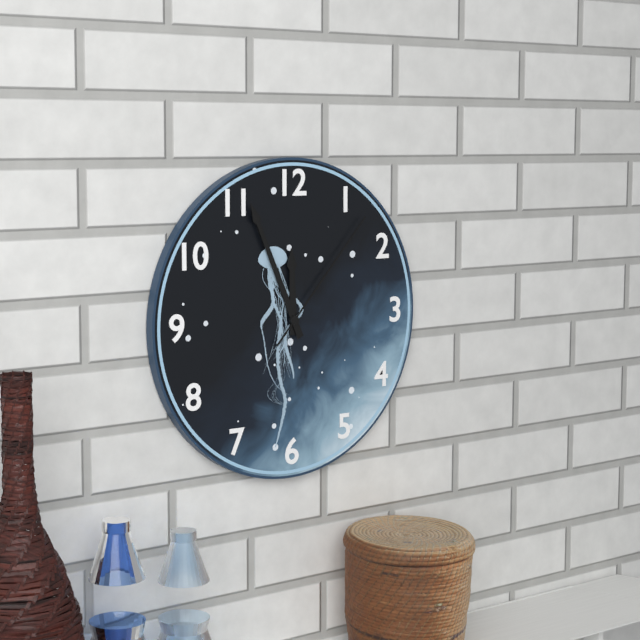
h=11 m=56 s=7
